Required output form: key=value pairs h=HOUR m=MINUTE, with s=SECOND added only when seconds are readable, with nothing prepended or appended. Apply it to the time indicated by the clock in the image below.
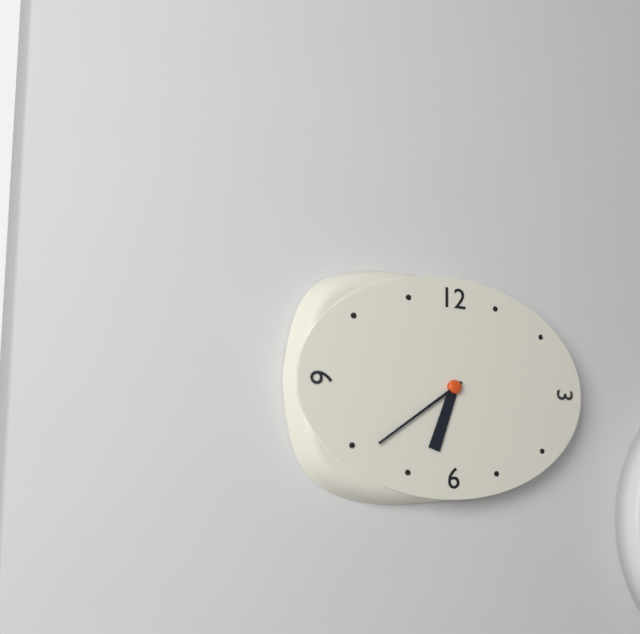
h=6 m=39
